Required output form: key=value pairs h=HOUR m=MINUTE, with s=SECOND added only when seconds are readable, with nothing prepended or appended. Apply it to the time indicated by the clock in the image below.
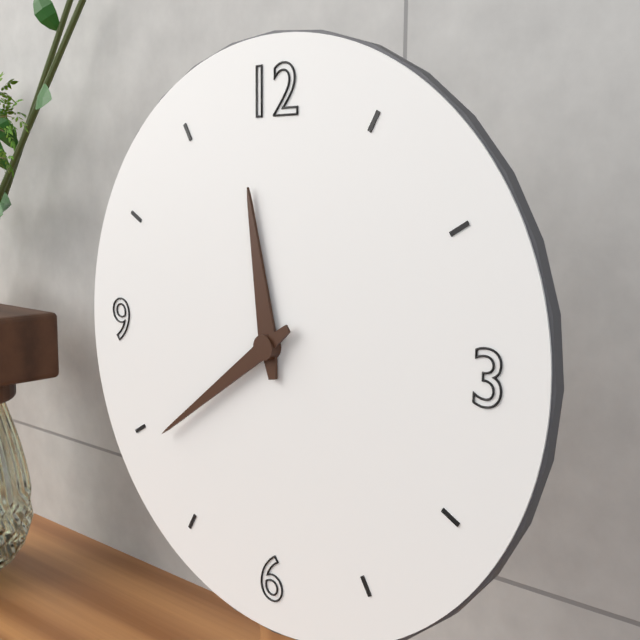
h=11 m=39
